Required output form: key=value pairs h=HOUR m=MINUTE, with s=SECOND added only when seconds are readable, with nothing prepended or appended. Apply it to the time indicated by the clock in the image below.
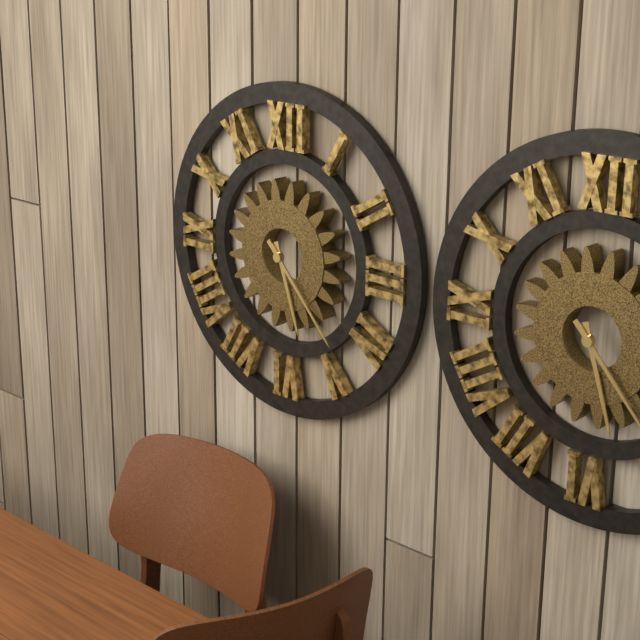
h=5 m=23
